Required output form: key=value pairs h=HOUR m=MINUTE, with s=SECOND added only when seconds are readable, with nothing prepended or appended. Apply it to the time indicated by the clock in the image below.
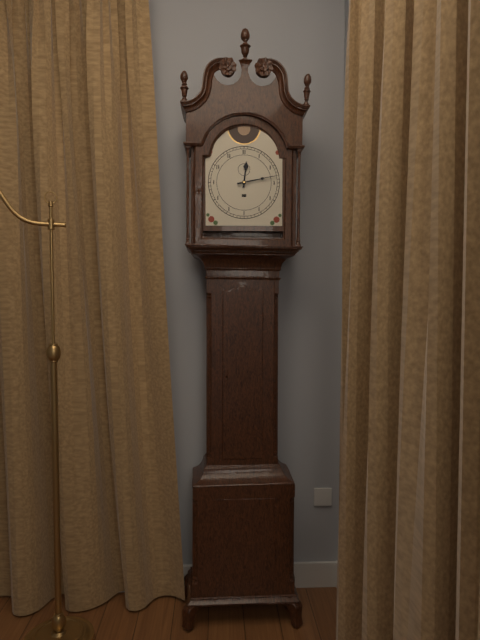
h=12 m=13
